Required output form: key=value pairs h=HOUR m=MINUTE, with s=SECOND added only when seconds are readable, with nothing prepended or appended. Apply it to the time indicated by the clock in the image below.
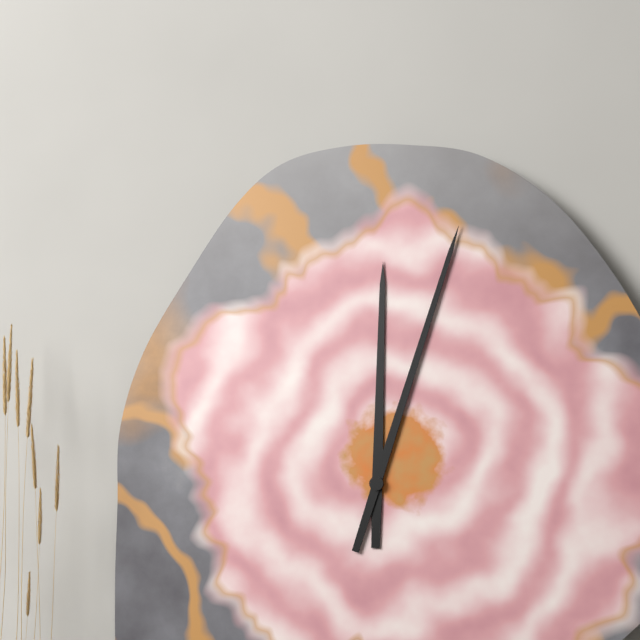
h=12 m=3
